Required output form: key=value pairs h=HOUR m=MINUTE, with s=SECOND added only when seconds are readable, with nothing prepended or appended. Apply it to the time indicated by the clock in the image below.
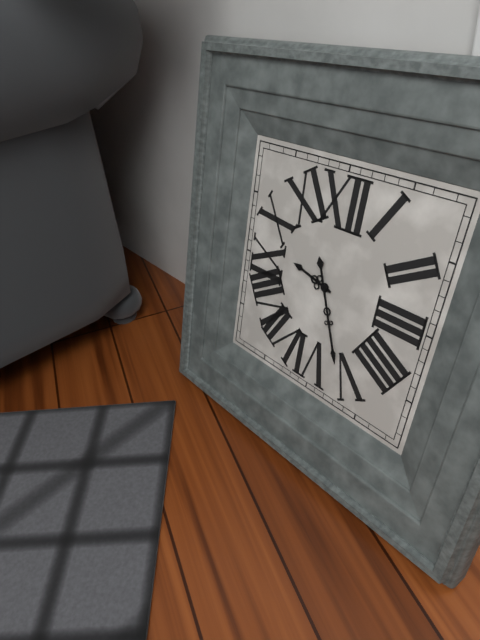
h=9 m=26
